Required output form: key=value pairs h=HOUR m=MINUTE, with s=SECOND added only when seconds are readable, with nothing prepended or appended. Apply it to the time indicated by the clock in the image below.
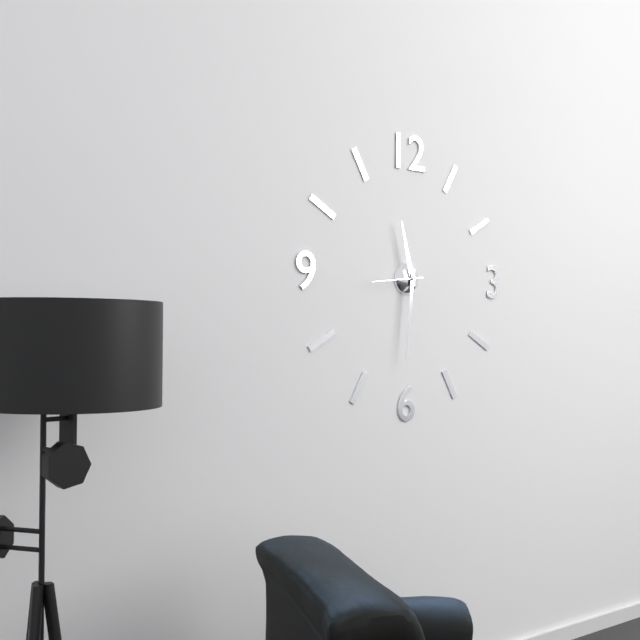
h=11 m=31 s=44
